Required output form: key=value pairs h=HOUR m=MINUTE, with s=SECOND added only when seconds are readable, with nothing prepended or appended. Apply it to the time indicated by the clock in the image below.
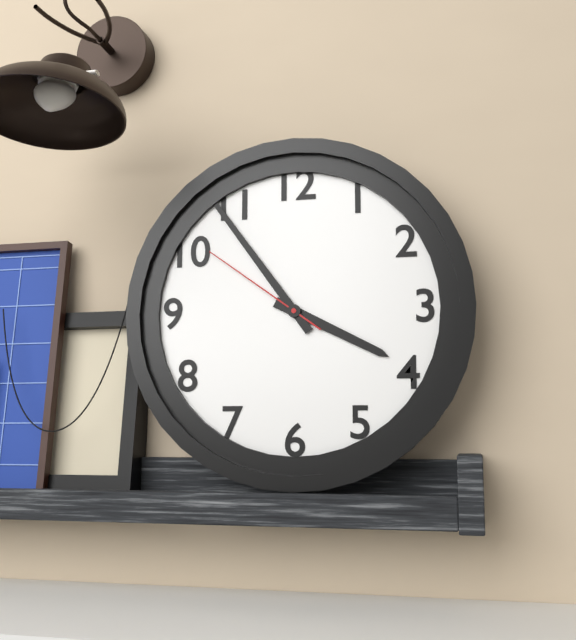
h=3 m=54 s=51
